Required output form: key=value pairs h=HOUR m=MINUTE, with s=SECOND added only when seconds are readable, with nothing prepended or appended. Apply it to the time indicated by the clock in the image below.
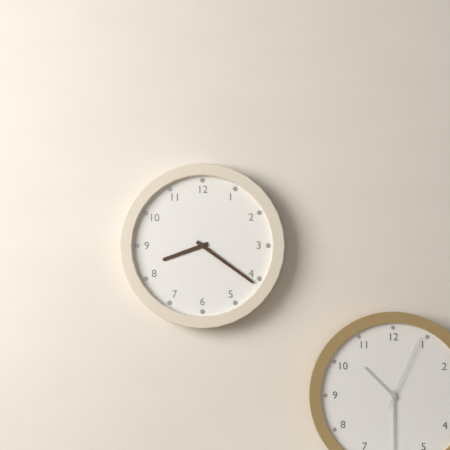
h=8 m=21
